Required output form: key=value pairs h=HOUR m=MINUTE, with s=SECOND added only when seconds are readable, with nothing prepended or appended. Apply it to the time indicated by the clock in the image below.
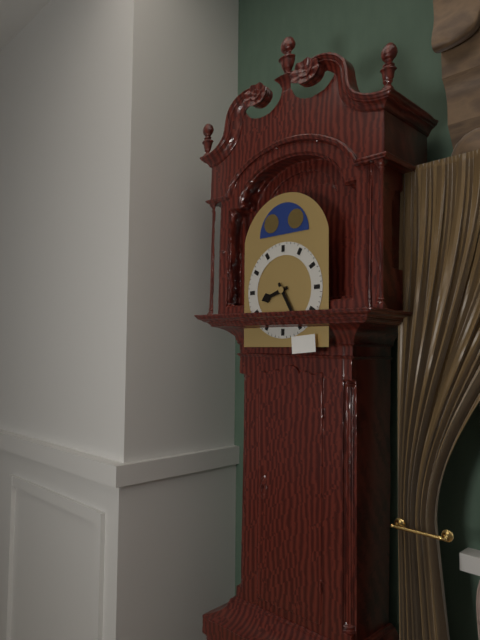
h=8 m=25
